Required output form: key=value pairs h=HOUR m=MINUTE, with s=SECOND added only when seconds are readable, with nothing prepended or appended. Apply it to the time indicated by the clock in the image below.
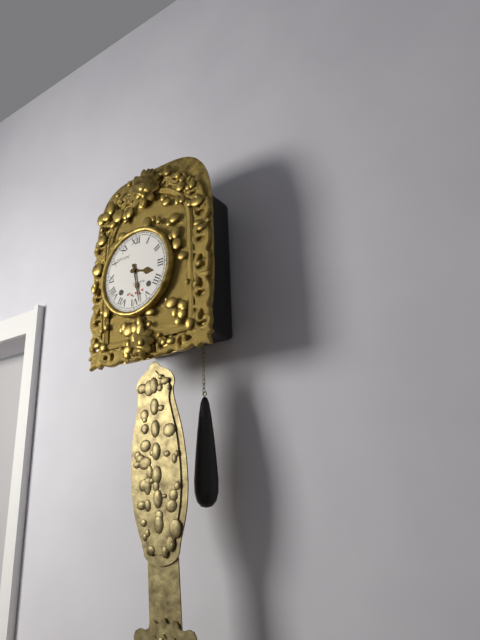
h=3 m=28
